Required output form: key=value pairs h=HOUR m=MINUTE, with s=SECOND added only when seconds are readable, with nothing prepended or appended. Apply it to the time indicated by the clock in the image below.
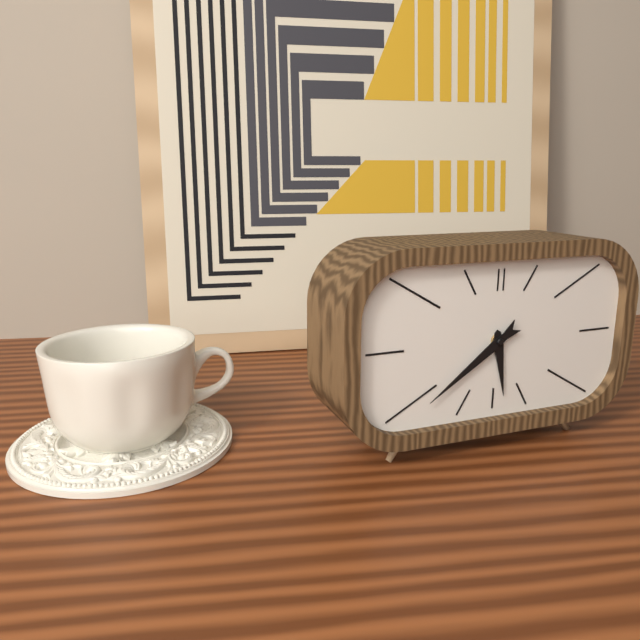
h=5 m=39
